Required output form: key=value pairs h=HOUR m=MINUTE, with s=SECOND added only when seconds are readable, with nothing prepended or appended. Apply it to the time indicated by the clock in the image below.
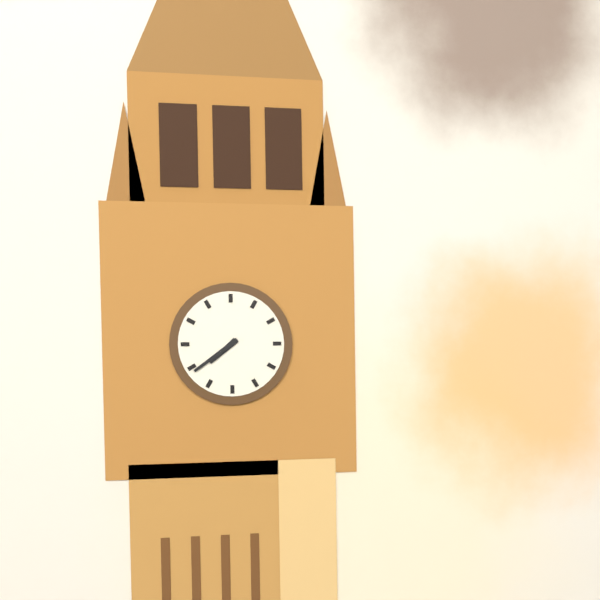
h=7 m=39
